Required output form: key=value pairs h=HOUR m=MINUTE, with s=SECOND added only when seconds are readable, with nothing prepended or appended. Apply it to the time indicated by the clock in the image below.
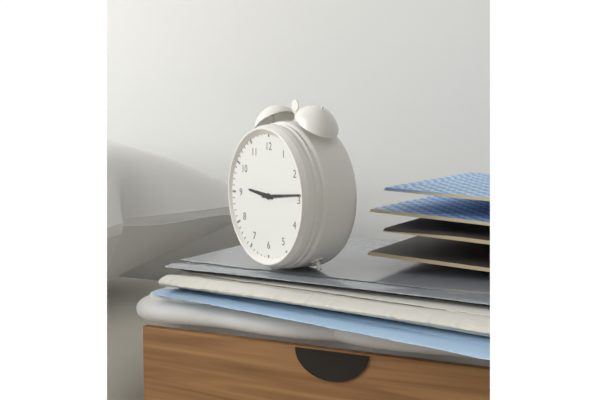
h=9 m=14
